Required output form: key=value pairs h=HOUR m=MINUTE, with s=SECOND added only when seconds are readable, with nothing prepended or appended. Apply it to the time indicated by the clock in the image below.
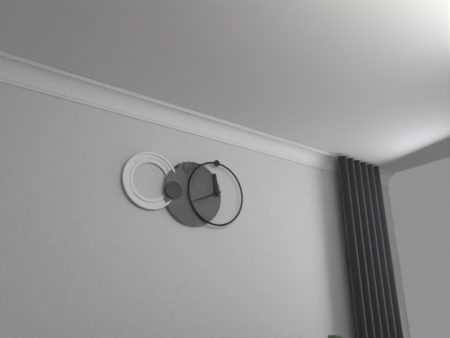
h=11 m=41
